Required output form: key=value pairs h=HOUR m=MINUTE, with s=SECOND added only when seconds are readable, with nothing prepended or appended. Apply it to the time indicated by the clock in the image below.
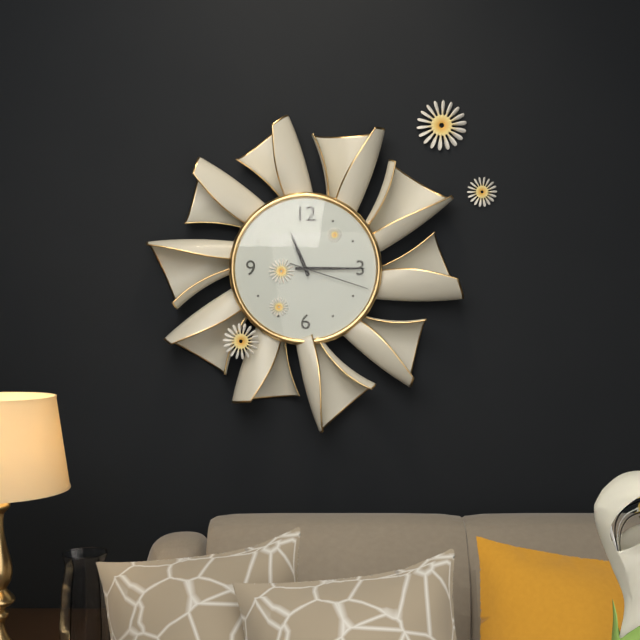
h=11 m=15 s=18
